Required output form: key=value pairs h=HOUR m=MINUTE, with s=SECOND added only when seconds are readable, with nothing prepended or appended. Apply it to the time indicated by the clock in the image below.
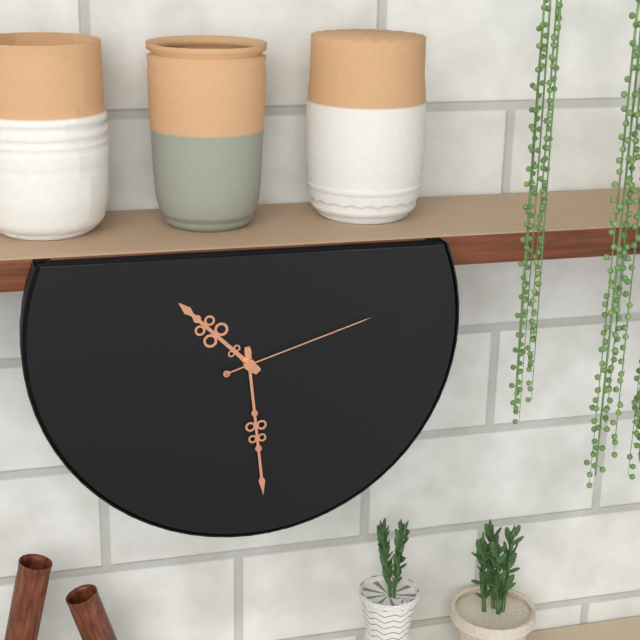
h=10 m=29 s=12
